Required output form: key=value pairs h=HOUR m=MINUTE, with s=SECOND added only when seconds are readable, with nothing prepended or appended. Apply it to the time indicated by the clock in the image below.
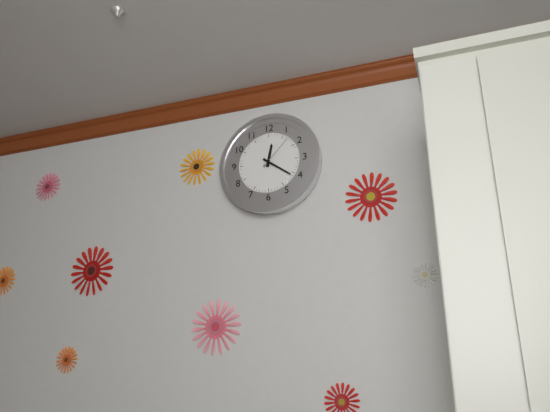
h=12 m=21
